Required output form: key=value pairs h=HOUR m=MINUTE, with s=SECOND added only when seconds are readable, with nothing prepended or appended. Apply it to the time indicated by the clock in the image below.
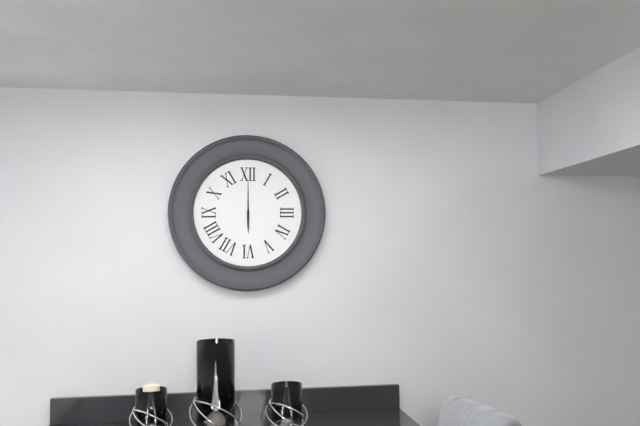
h=6 m=0
